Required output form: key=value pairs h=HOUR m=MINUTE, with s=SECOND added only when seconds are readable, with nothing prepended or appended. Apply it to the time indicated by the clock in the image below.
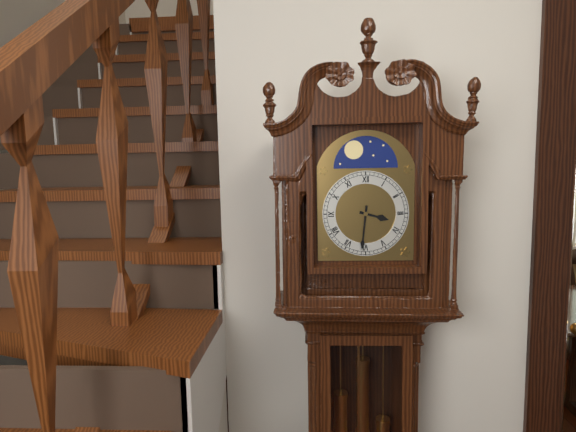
h=3 m=31
